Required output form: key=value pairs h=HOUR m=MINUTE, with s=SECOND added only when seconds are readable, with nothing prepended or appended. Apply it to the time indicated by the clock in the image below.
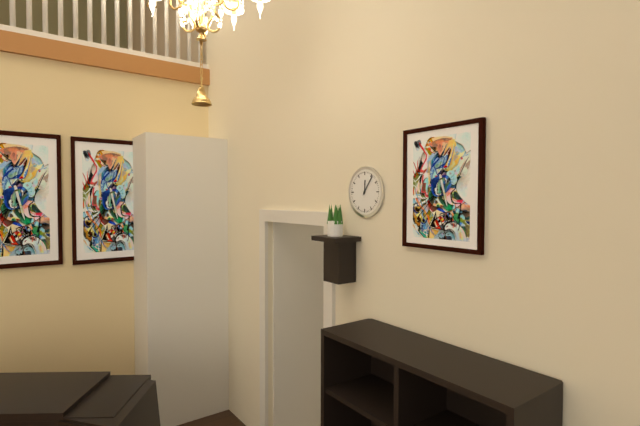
h=12 m=6
